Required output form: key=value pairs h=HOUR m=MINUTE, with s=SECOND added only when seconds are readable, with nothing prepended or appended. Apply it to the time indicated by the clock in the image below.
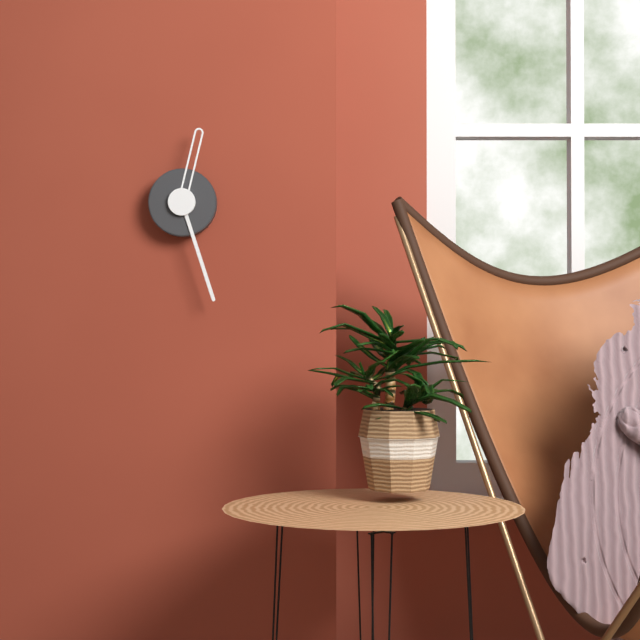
h=12 m=27
